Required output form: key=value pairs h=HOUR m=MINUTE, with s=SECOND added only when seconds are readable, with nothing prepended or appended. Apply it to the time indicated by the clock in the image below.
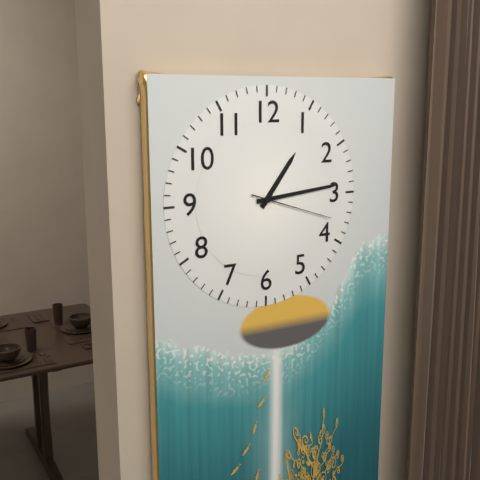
h=1 m=14 s=18
